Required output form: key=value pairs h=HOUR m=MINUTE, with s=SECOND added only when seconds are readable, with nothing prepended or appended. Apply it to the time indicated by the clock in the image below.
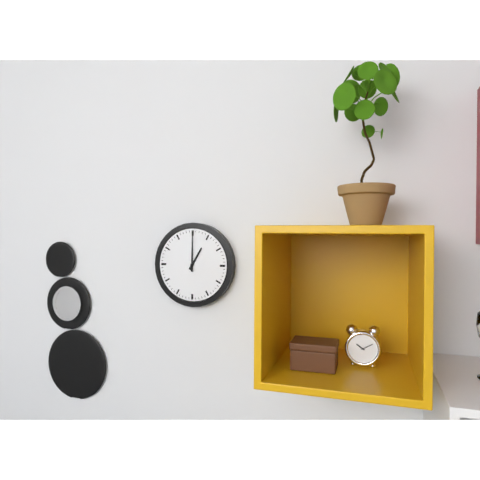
h=1 m=0
